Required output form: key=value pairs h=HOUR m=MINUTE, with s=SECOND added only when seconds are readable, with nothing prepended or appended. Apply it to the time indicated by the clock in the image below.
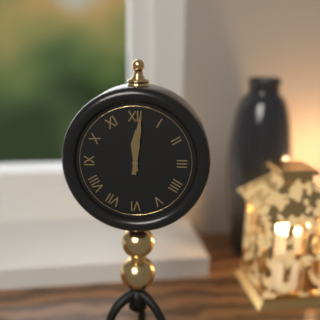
h=12 m=1
